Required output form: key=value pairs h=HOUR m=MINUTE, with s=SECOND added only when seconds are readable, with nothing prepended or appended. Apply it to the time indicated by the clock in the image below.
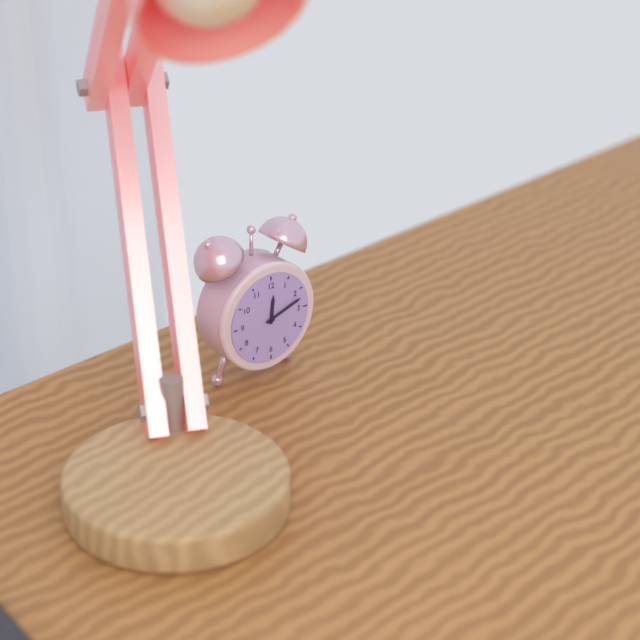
h=12 m=12
